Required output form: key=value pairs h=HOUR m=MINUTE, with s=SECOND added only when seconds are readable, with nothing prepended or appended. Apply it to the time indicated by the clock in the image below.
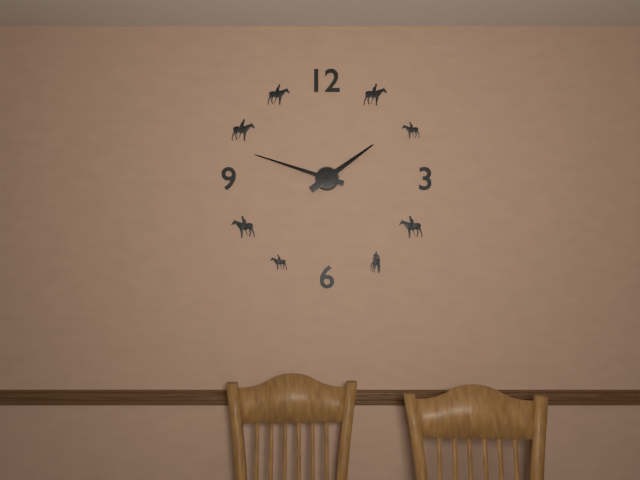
h=1 m=48
